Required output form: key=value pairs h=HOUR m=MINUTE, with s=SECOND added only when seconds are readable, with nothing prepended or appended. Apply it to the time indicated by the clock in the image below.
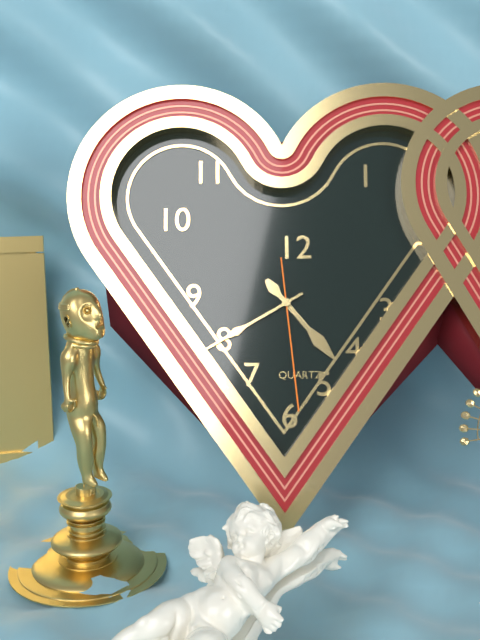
h=4 m=40 s=29
